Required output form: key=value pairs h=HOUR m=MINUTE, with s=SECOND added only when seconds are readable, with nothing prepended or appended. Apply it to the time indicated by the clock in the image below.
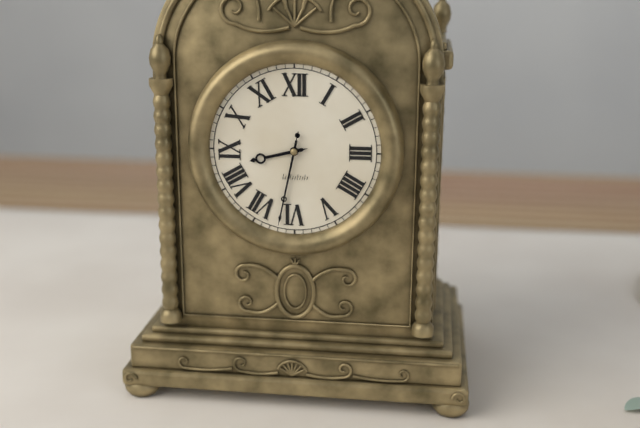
h=8 m=32 s=32
